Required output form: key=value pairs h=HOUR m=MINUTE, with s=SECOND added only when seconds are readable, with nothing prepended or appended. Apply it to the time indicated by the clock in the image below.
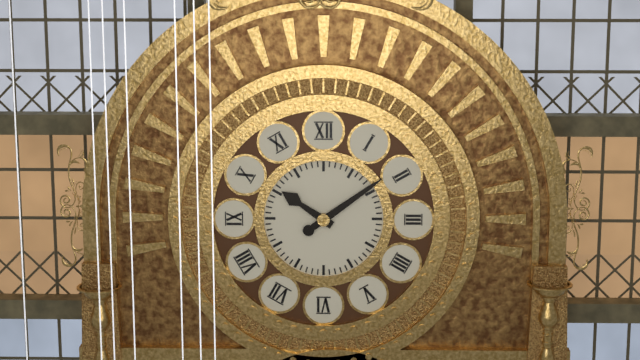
h=10 m=9
